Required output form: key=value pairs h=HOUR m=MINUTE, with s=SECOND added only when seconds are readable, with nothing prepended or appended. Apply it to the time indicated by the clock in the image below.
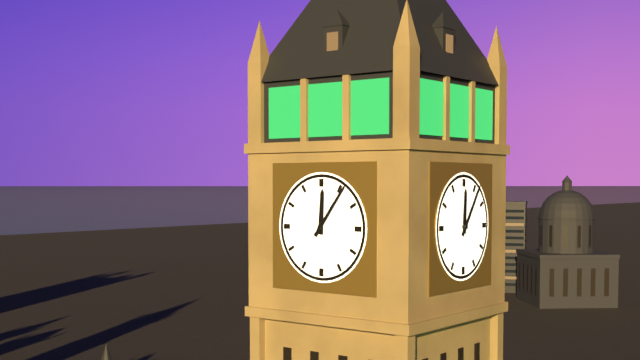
h=12 m=6
